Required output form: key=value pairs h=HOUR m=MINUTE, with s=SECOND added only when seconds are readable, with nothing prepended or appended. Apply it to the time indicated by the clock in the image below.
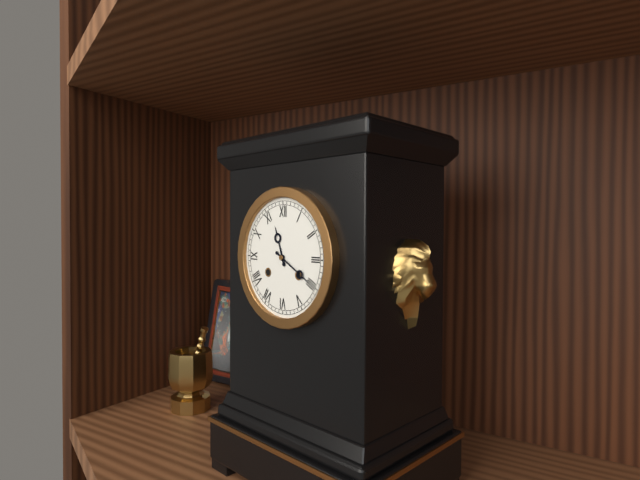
h=11 m=20
